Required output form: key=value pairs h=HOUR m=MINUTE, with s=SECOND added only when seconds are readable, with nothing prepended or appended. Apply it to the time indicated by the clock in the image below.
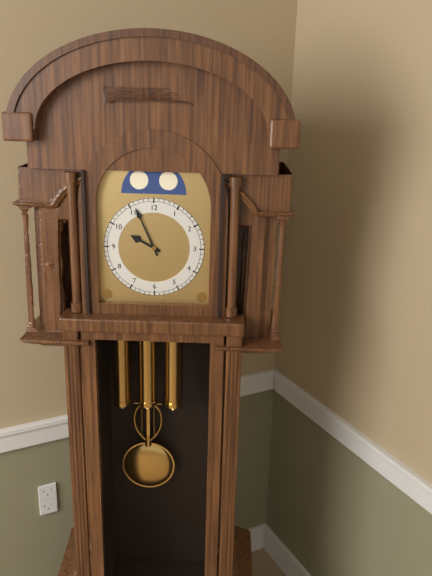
h=9 m=56
